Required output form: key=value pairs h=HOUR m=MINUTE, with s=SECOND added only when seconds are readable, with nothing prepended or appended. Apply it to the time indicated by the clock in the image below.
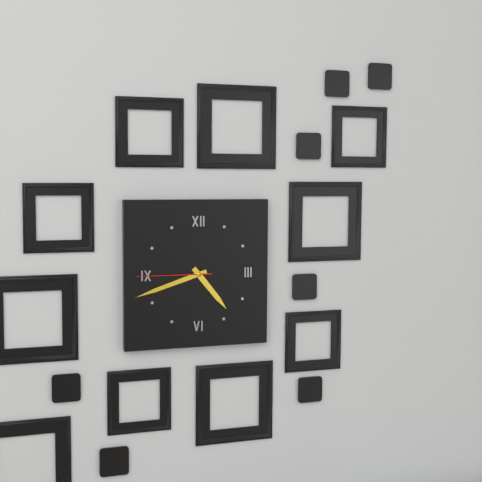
h=4 m=42 s=45
